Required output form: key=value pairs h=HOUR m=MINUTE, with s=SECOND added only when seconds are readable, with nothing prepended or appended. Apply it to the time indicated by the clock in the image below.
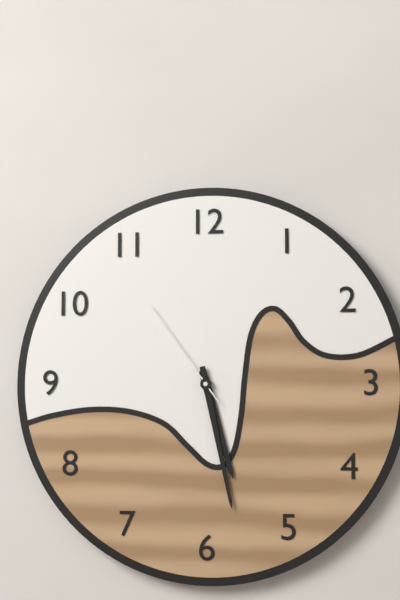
h=5 m=28 s=54
